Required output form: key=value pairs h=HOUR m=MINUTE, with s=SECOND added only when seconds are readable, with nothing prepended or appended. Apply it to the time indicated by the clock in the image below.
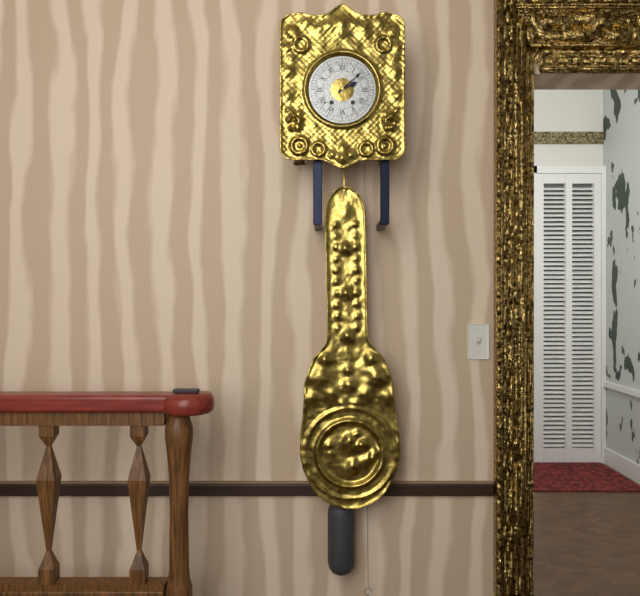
h=2 m=8
